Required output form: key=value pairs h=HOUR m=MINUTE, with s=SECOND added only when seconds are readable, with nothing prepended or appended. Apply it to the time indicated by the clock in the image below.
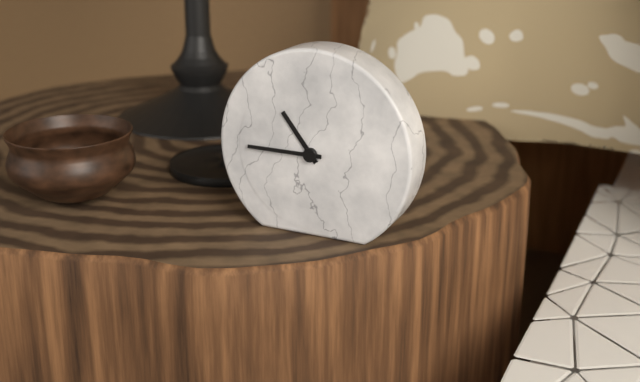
h=10 m=45
